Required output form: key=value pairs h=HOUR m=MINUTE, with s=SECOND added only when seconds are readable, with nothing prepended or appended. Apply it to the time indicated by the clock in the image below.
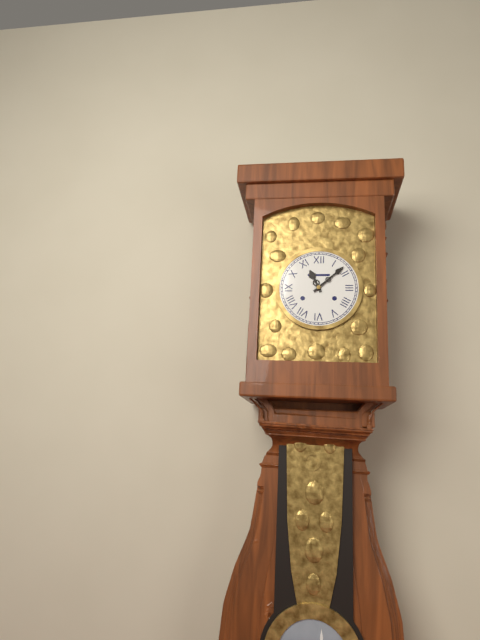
h=11 m=8
